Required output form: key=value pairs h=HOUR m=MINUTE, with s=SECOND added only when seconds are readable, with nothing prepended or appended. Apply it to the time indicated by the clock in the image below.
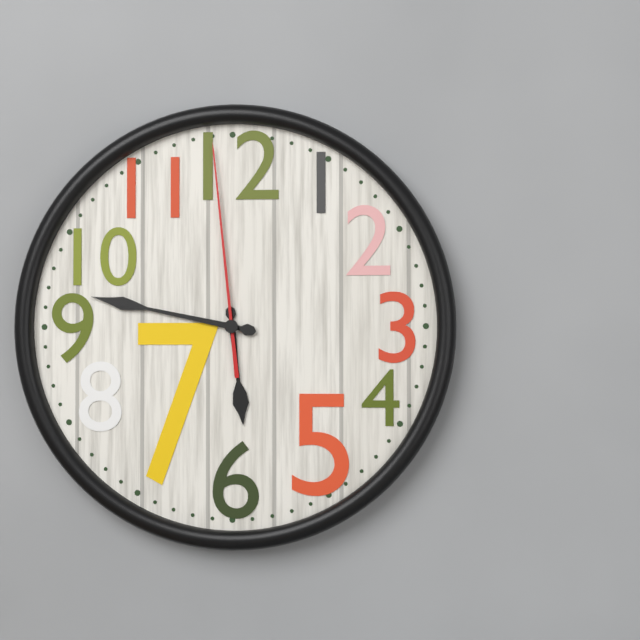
h=5 m=47 s=59
